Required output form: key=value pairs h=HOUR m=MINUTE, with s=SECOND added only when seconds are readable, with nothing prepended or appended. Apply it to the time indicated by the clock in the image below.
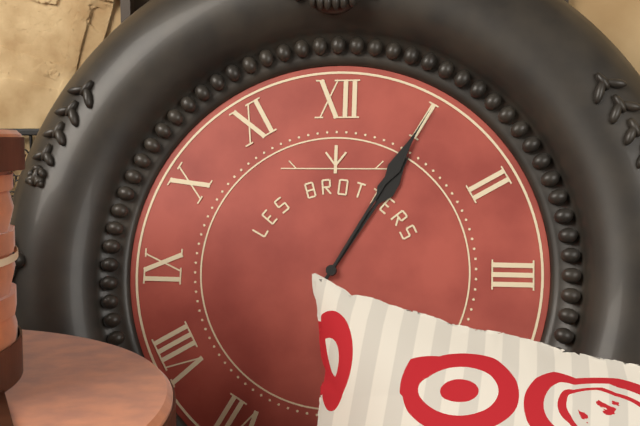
h=1 m=5
